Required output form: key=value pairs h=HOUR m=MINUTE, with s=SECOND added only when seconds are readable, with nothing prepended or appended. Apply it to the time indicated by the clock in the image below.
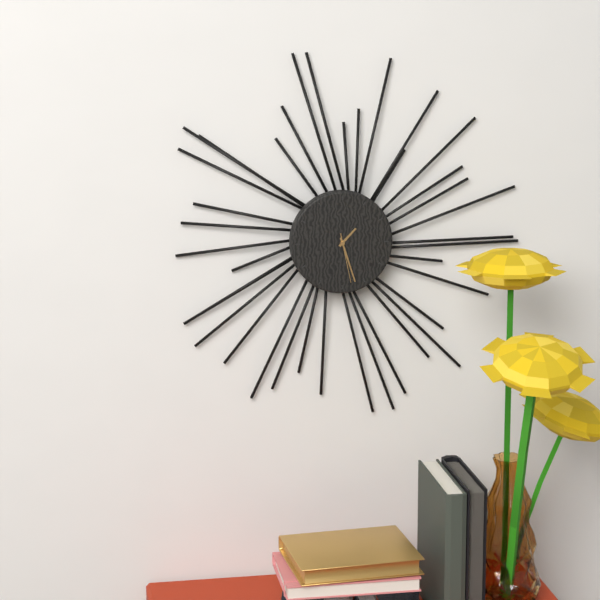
h=1 m=27 s=28
